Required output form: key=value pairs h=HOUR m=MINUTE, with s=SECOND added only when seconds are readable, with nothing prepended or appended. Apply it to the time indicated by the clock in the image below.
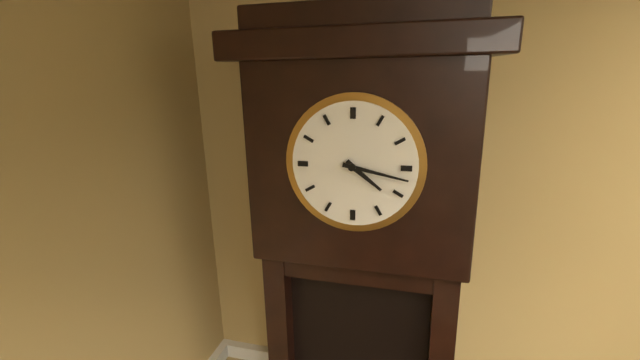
h=4 m=17
